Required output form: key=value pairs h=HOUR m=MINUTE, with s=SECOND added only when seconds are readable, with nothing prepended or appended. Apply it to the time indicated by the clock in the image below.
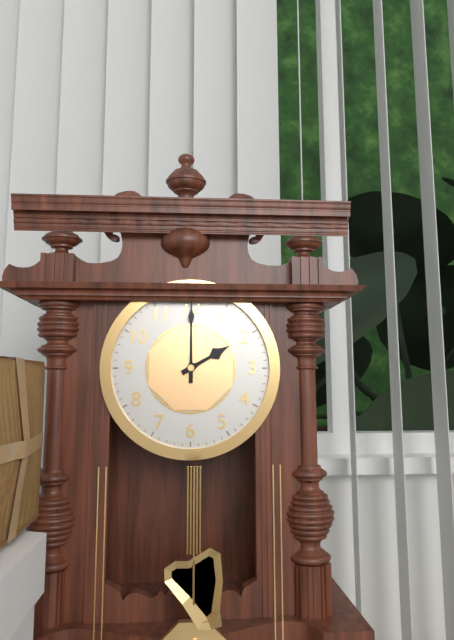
h=2 m=0
